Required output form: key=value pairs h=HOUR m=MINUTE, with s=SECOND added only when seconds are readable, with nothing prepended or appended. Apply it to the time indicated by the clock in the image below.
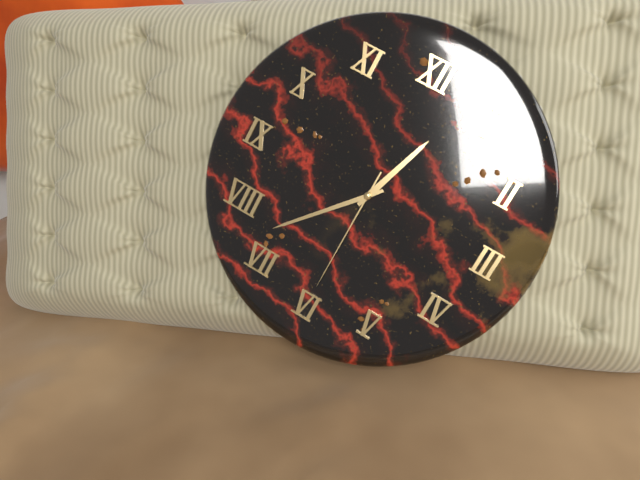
h=12 m=37 s=30
